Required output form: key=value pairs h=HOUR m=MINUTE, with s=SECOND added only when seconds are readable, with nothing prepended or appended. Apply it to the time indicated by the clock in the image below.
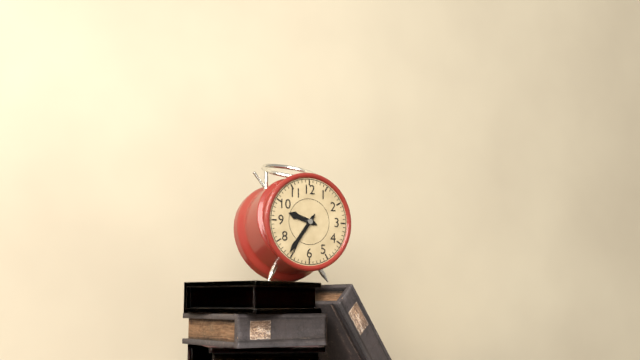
h=9 m=36
